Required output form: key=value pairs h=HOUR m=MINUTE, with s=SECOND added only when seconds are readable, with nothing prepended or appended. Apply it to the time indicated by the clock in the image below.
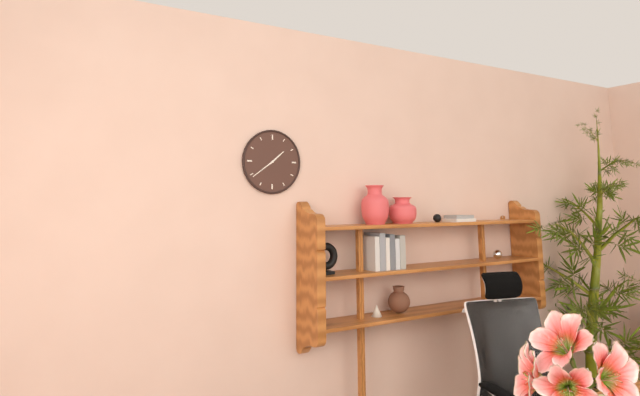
h=1 m=39
